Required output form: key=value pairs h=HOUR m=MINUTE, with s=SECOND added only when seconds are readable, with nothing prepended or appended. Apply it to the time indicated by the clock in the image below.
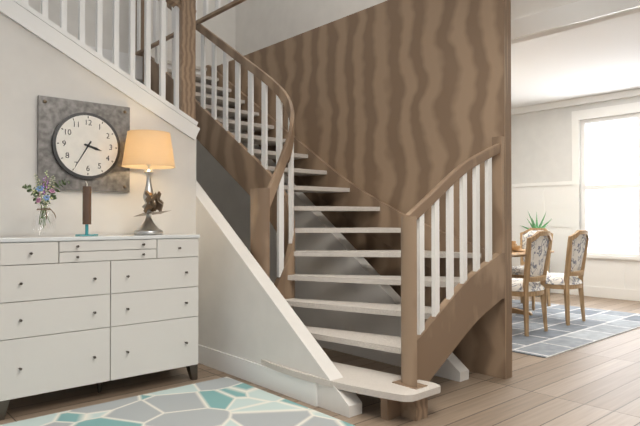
h=3 m=35
